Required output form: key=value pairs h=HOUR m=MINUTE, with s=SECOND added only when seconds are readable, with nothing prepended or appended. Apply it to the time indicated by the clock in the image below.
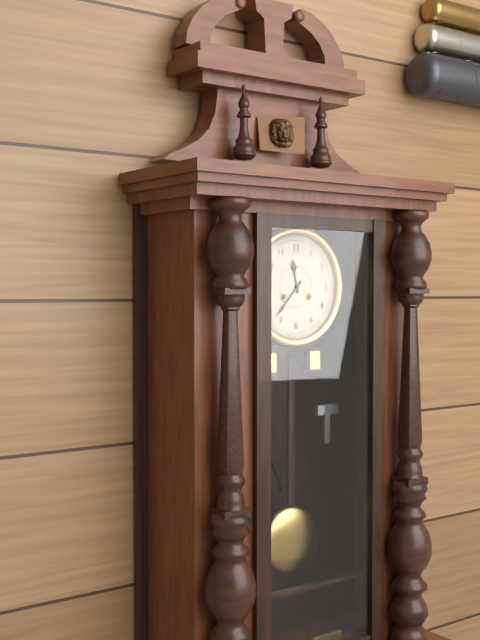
h=11 m=37
